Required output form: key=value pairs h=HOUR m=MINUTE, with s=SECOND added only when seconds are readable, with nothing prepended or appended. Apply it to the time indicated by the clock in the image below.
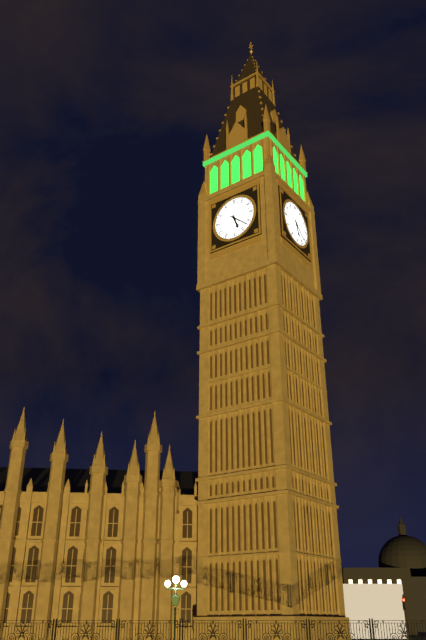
h=5 m=22
